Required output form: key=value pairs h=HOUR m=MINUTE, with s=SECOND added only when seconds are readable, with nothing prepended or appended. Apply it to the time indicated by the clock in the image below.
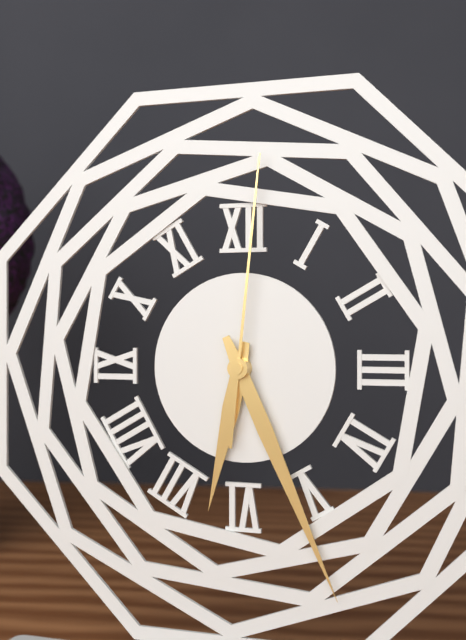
h=6 m=26 s=1
